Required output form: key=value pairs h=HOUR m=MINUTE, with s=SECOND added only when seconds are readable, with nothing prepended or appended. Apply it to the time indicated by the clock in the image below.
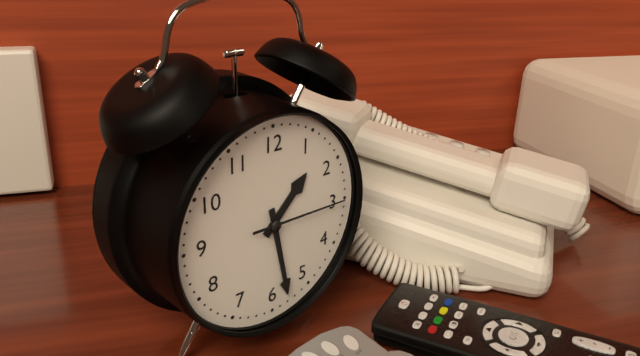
h=1 m=28 s=15
